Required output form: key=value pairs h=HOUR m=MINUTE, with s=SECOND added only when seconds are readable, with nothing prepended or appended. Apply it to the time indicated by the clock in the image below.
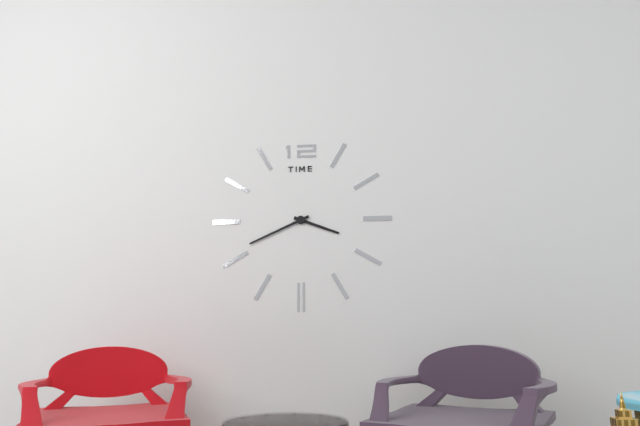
h=3 m=41
